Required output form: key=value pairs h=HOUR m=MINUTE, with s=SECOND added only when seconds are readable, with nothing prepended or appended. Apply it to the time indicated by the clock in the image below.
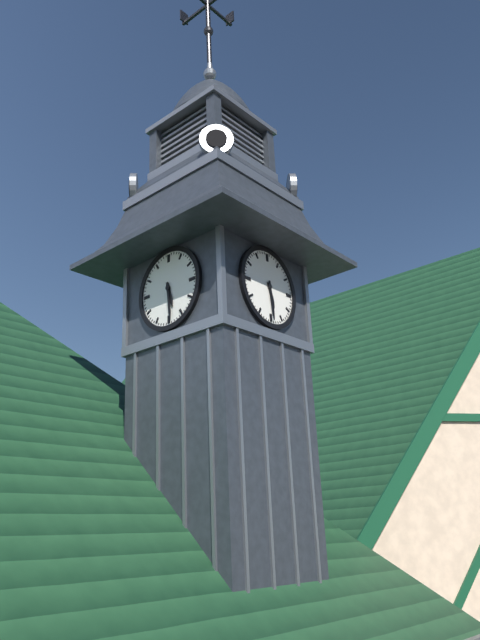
h=5 m=29
